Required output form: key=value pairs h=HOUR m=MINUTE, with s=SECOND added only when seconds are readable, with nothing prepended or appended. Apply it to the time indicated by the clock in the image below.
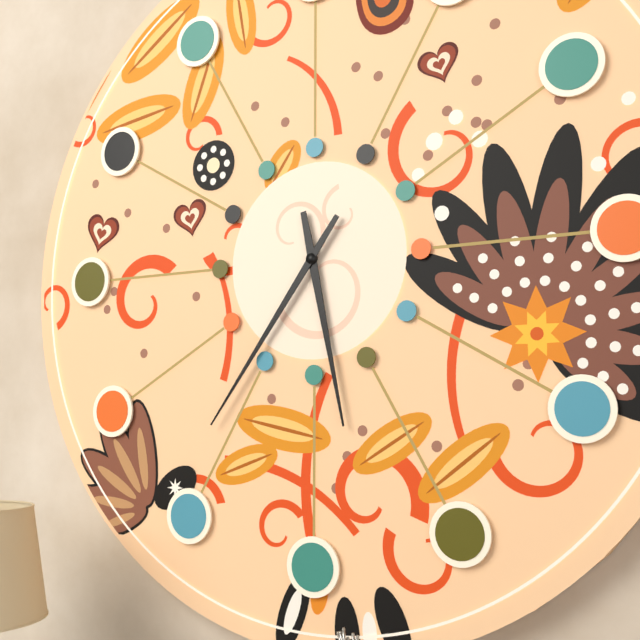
h=5 m=36
